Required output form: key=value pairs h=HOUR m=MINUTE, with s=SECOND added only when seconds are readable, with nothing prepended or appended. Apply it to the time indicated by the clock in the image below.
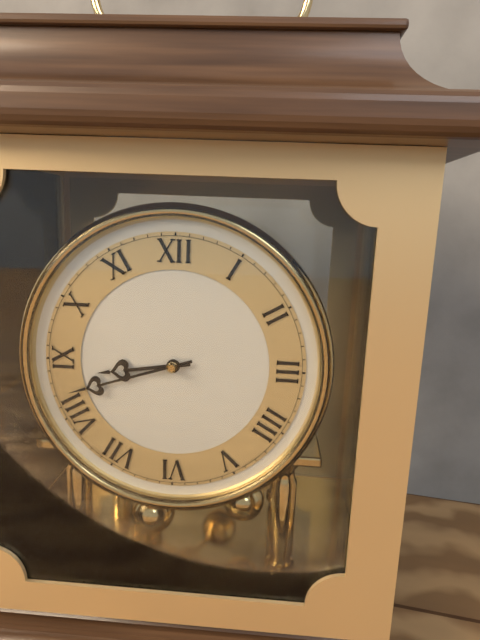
h=8 m=42
